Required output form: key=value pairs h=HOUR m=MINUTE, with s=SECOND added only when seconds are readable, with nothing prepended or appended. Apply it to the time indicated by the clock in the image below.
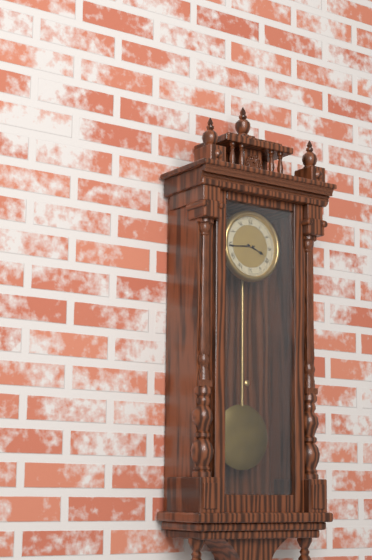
h=3 m=44
